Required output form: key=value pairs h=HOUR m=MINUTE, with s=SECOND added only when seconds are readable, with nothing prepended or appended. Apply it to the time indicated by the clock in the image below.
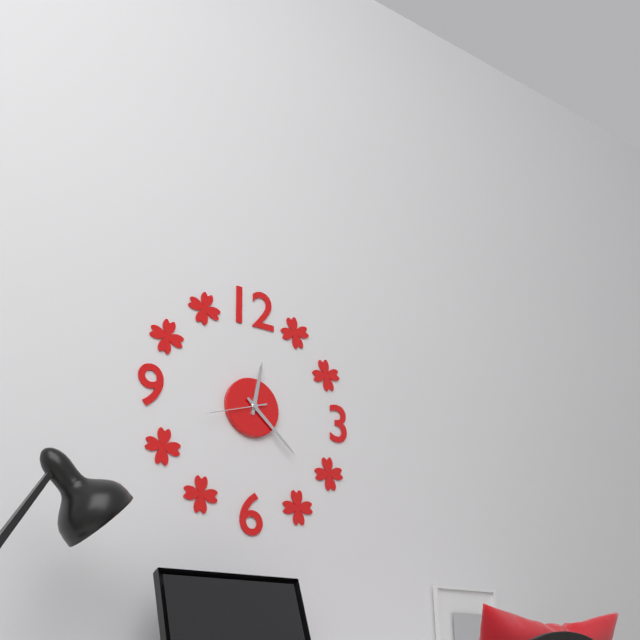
h=12 m=22 s=42
